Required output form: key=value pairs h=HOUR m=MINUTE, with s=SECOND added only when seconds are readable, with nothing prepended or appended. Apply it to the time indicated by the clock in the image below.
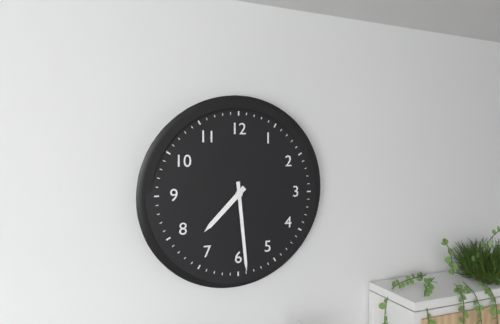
h=7 m=29
